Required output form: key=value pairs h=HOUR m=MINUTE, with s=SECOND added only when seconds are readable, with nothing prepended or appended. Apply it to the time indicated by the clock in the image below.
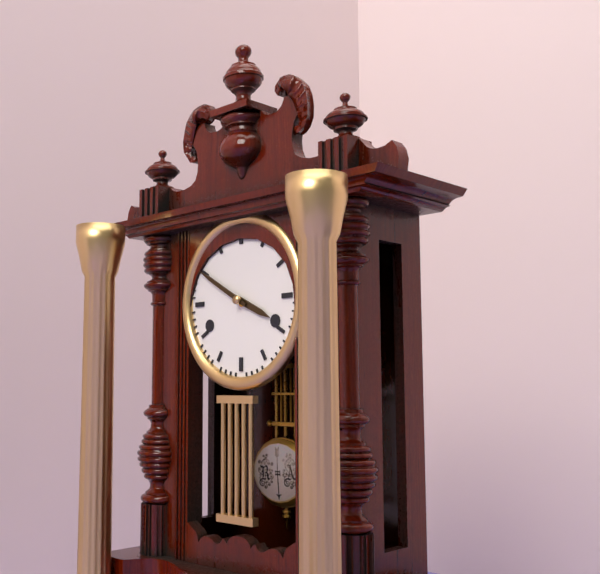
h=3 m=50
